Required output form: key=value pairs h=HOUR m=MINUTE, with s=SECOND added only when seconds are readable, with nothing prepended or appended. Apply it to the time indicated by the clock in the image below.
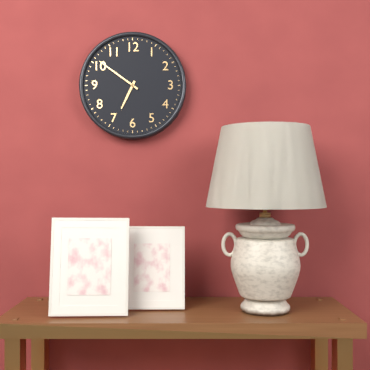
h=6 m=51
